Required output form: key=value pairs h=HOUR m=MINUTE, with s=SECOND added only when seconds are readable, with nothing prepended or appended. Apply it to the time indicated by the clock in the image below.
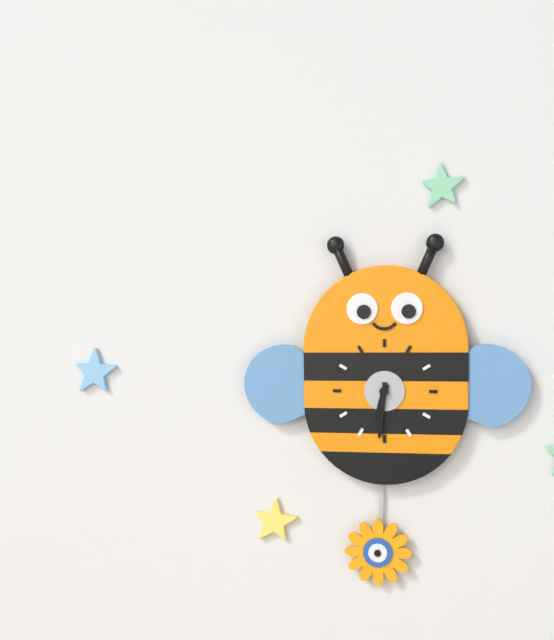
h=6 m=31
